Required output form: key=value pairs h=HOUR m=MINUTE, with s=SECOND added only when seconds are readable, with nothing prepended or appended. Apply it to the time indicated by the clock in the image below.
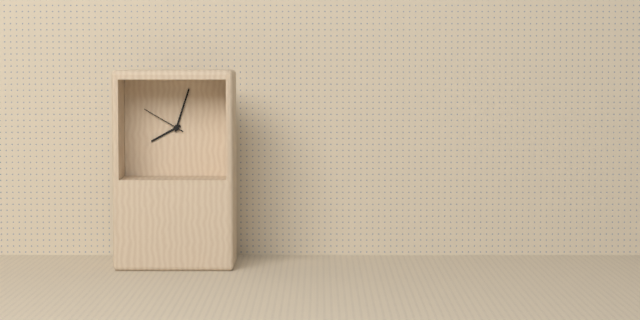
h=8 m=3
